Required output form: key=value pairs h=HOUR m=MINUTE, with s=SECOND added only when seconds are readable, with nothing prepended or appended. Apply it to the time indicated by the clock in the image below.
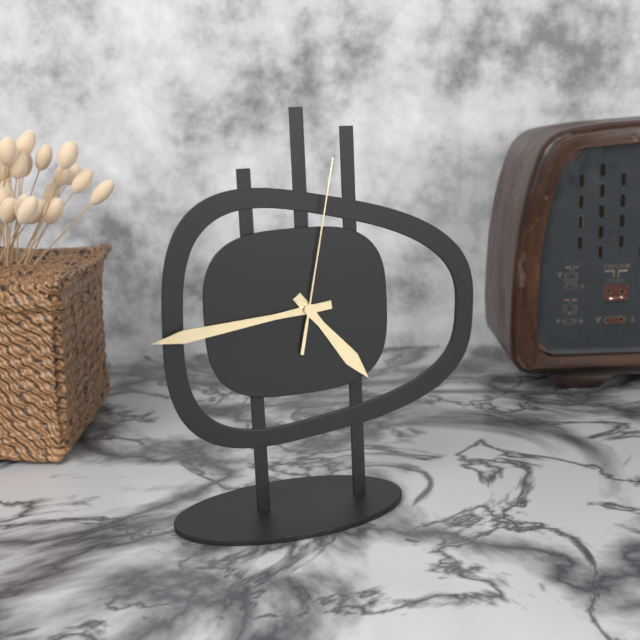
h=4 m=44 s=2
